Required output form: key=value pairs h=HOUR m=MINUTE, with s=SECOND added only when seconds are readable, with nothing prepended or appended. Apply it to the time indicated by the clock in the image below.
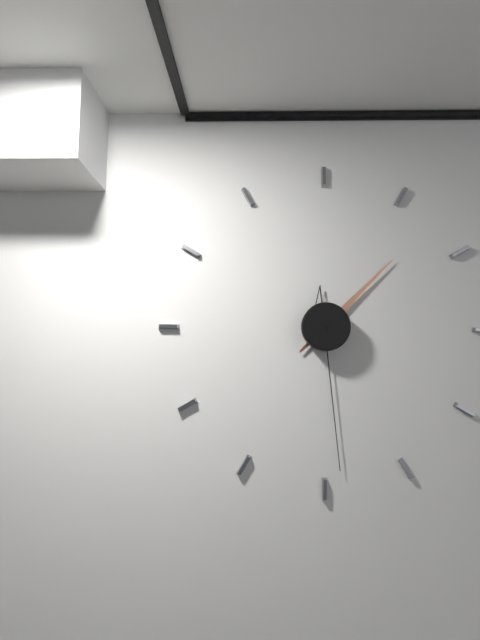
h=1 m=29
